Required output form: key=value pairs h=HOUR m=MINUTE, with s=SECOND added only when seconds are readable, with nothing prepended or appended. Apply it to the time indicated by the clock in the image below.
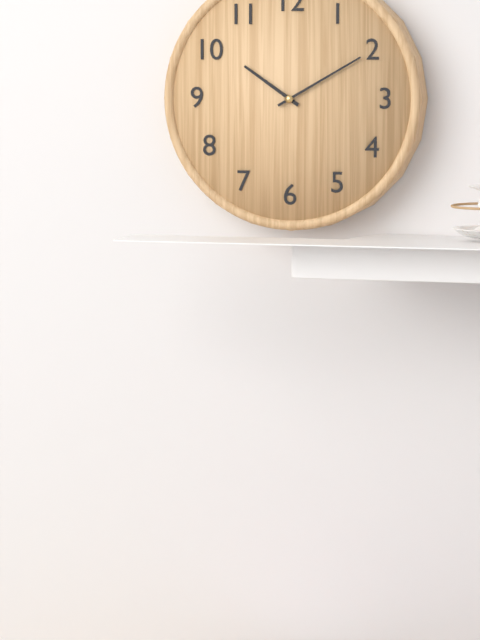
h=10 m=10
